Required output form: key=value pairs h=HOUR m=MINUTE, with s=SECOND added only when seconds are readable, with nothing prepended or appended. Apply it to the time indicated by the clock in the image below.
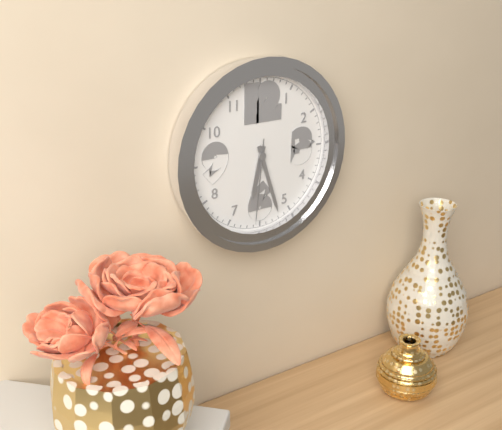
h=6 m=27 s=31
